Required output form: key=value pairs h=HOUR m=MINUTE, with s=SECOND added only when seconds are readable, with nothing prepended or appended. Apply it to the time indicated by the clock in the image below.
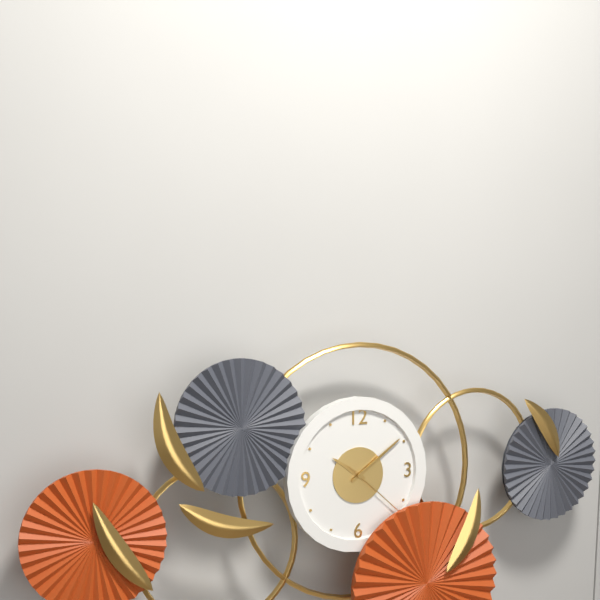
h=10 m=9 s=22
